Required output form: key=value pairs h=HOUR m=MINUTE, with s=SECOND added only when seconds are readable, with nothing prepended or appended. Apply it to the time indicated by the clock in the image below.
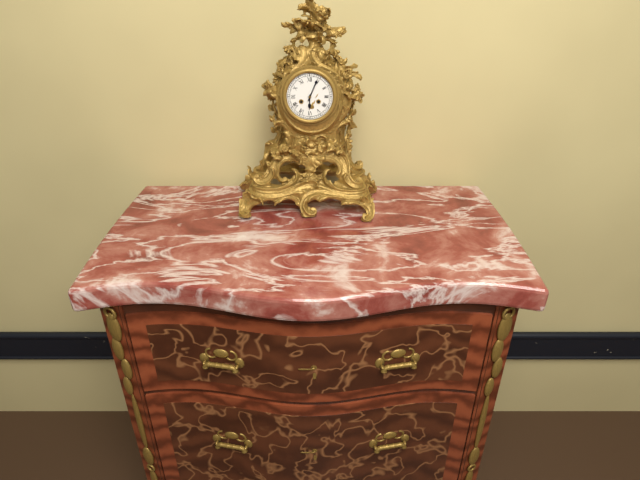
h=6 m=4
